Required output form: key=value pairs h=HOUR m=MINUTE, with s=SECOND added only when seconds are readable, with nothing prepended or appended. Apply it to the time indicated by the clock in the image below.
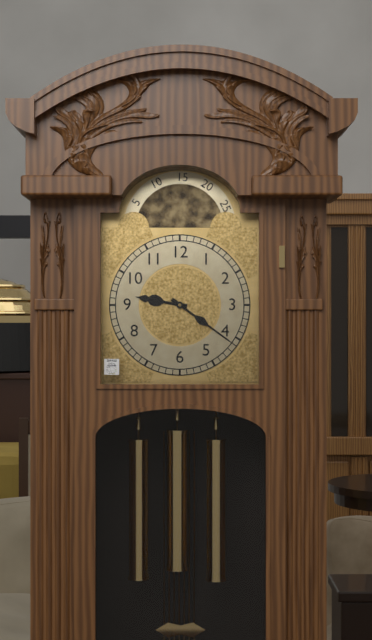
h=9 m=21
